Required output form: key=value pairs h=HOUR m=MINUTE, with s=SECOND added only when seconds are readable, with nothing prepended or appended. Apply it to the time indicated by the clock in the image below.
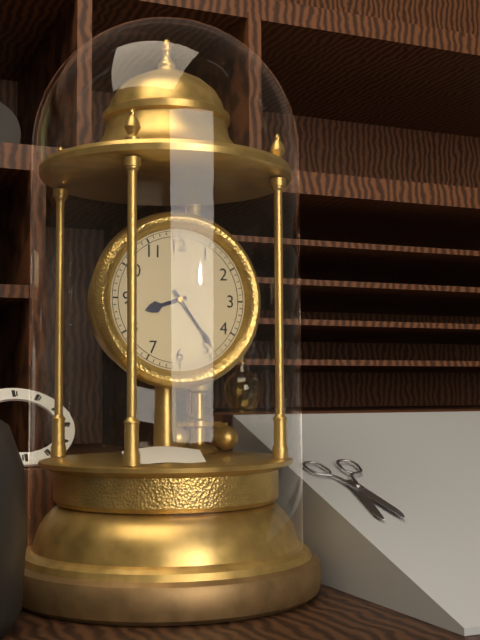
h=8 m=24
